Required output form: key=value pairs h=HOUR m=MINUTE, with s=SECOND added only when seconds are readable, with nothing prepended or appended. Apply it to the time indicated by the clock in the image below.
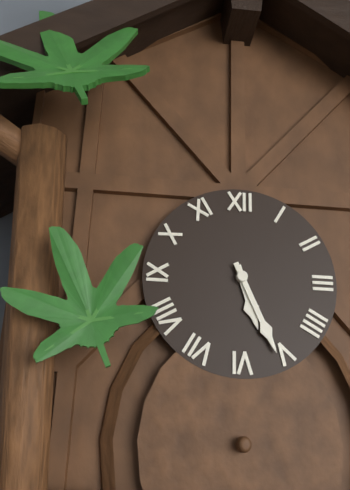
h=5 m=26
